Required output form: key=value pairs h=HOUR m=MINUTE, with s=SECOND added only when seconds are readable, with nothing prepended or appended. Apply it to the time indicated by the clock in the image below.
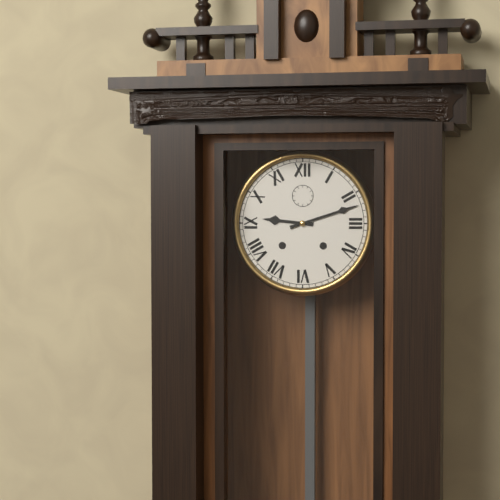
h=9 m=12
